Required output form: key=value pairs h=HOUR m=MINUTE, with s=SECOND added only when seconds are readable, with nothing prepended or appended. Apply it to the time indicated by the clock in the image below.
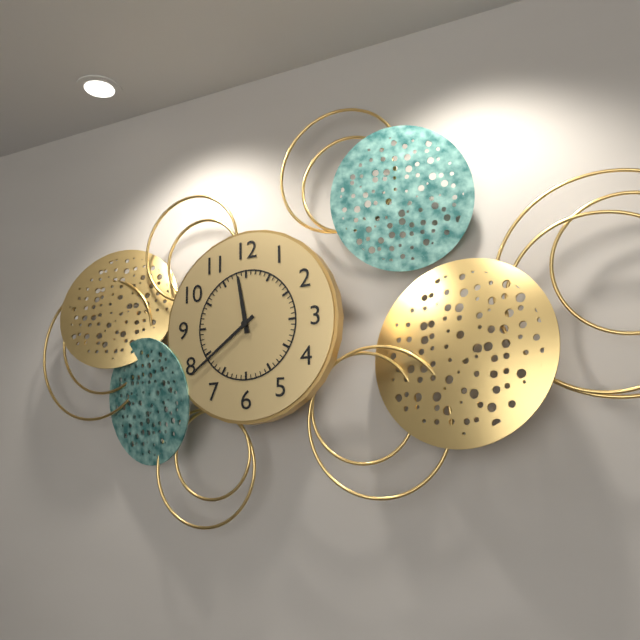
h=11 m=39
